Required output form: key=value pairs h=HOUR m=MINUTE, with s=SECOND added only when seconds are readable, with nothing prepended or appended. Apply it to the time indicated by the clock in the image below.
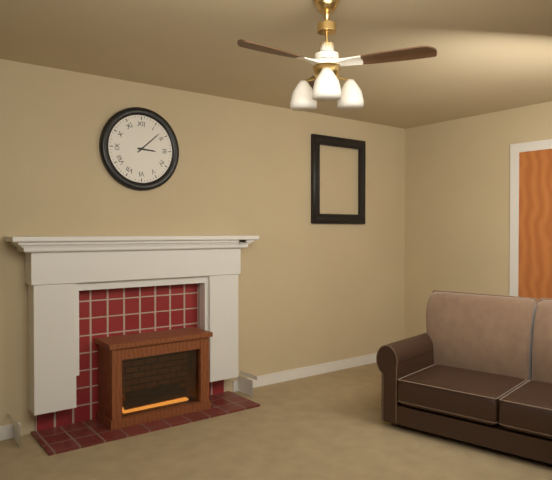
h=3 m=8
